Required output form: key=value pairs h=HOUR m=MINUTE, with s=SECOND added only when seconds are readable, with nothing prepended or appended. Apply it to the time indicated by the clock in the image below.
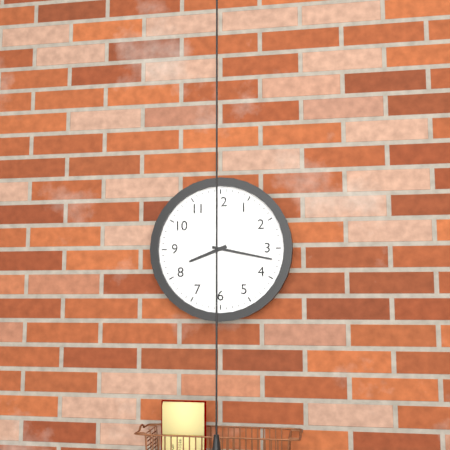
h=8 m=17
